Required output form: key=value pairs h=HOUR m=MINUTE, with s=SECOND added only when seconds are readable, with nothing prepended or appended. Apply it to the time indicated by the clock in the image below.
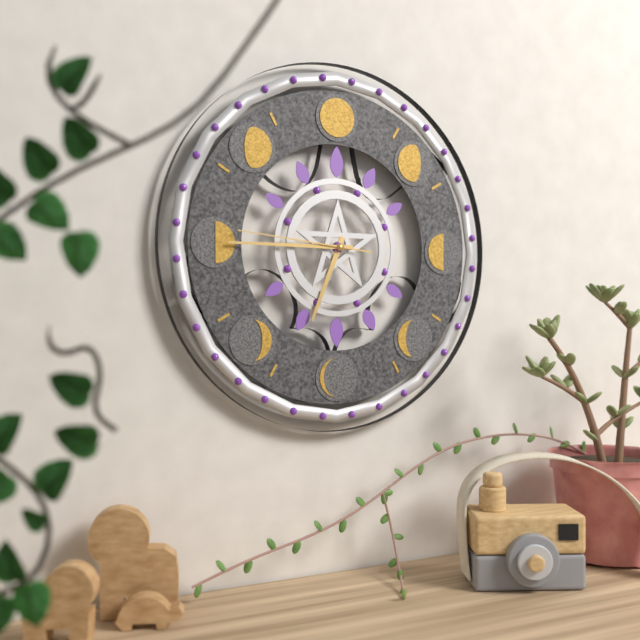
h=6 m=45 s=46
